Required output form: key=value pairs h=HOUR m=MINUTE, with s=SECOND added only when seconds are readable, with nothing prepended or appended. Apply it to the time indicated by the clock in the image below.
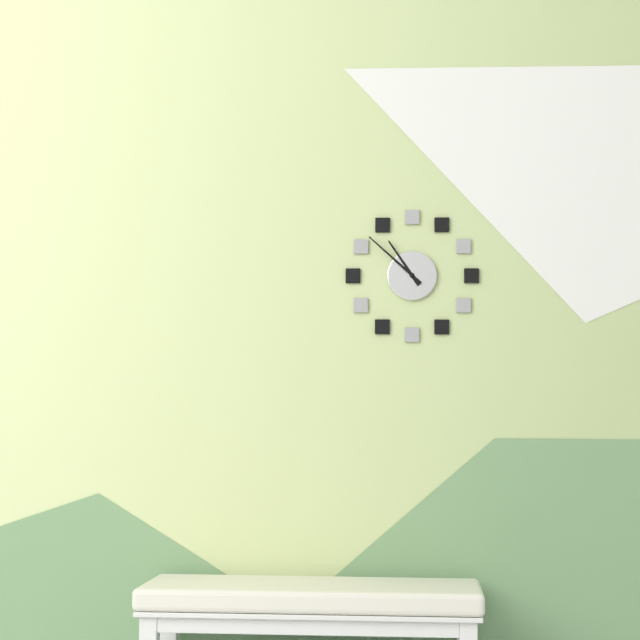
h=10 m=52
